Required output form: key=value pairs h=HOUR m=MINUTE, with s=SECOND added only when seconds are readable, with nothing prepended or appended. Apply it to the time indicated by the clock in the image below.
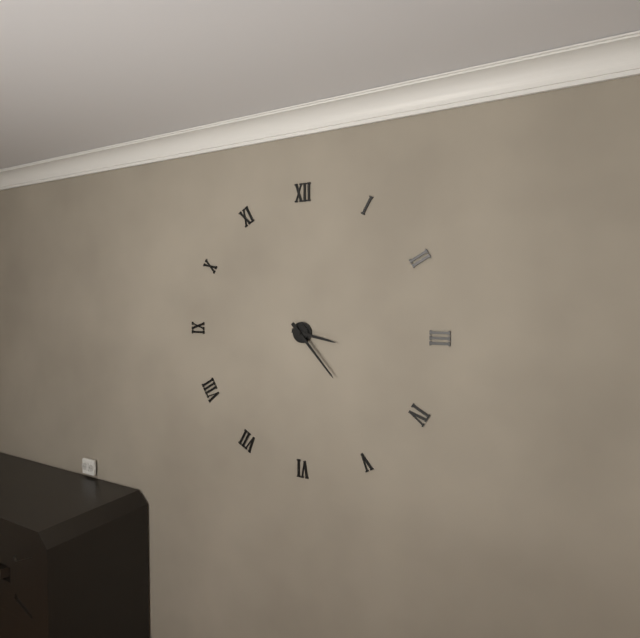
h=3 m=23
